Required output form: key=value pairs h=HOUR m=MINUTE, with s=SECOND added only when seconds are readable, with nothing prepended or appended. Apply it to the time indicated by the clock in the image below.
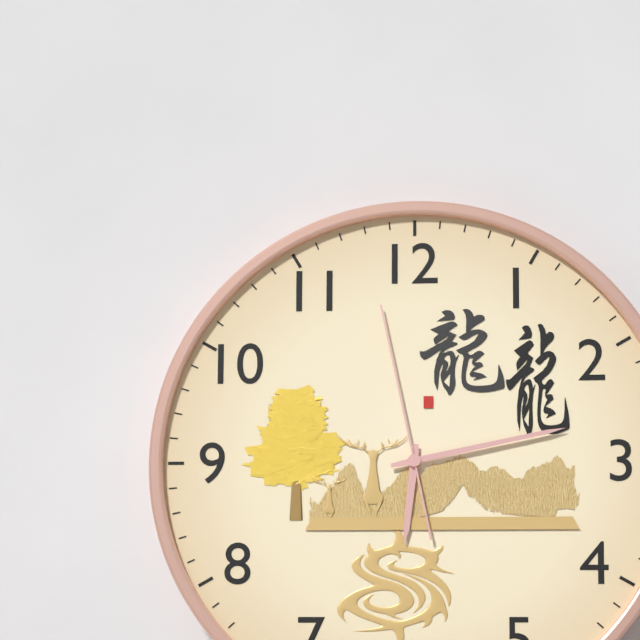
h=6 m=13 s=58
